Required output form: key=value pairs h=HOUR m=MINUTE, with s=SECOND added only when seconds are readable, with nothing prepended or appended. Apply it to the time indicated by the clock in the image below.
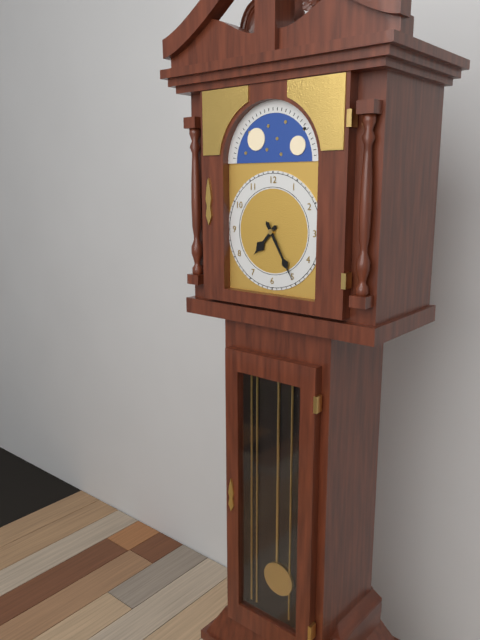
h=7 m=25
